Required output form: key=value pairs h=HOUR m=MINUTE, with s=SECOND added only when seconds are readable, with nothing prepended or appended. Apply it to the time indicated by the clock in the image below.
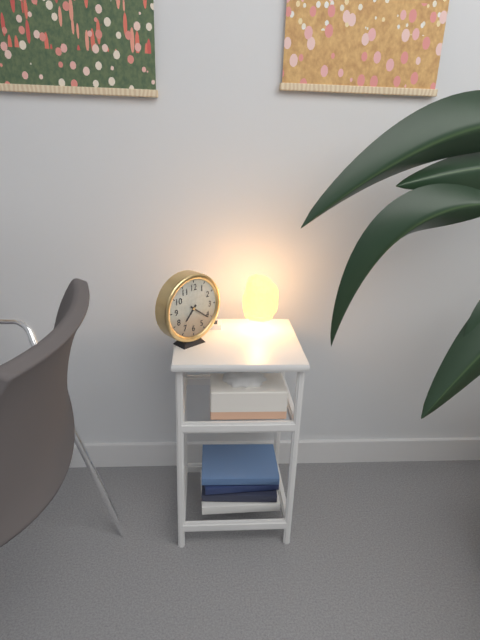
h=7 m=21
